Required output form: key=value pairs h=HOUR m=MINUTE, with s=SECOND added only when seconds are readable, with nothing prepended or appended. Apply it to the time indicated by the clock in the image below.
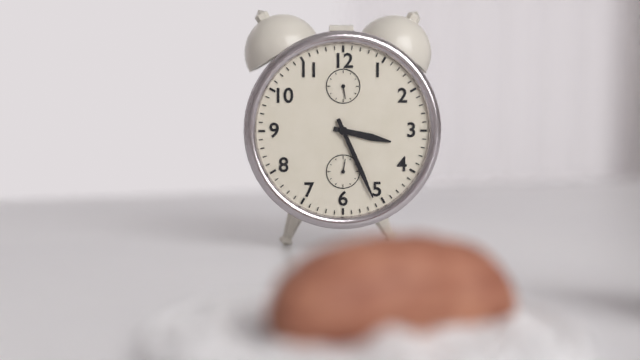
h=3 m=26
